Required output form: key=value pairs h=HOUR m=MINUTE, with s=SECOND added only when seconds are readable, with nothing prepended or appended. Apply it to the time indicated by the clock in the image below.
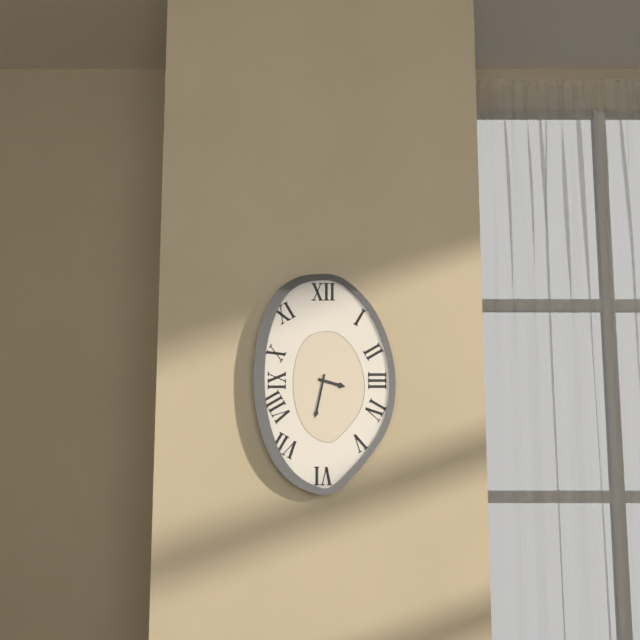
h=3 m=32
